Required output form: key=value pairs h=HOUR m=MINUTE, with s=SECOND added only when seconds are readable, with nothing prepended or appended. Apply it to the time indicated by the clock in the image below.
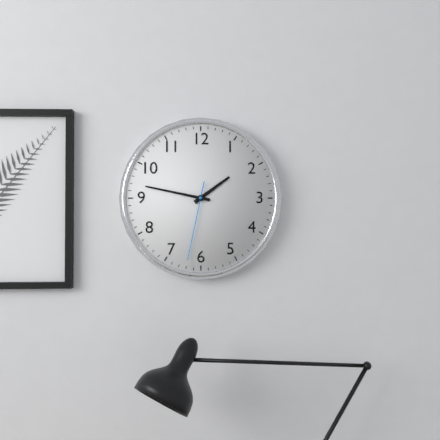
h=1 m=47 s=32
